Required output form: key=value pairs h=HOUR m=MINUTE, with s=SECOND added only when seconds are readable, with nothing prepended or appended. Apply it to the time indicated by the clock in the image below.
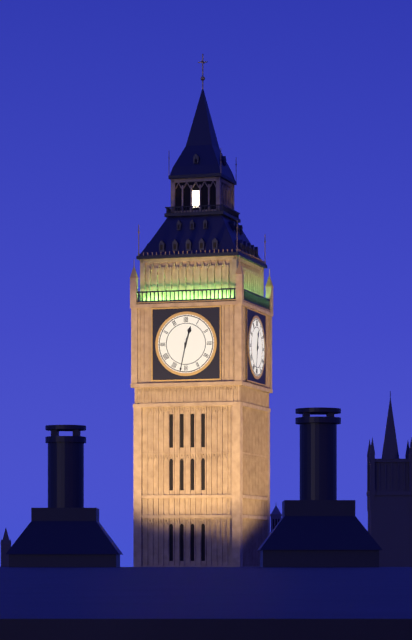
h=12 m=32
